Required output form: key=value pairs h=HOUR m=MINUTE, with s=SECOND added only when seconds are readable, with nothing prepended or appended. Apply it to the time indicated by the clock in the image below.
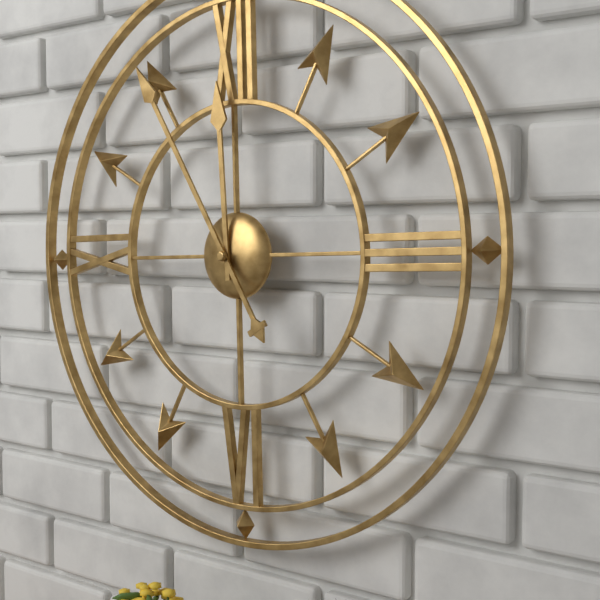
h=11 m=55
